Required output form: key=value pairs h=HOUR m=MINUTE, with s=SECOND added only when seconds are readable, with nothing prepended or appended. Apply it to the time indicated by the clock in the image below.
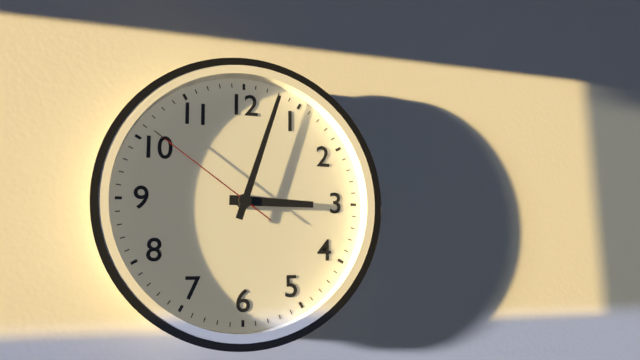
h=3 m=3 s=51
